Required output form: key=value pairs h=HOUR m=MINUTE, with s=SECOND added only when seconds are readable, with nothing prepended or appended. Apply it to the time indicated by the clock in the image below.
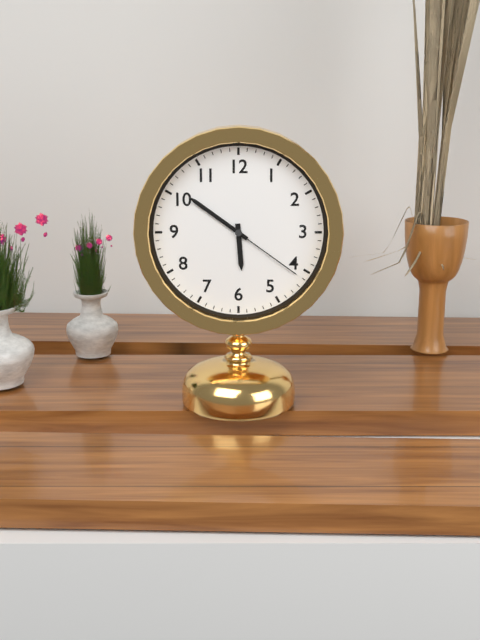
h=5 m=51 s=21
